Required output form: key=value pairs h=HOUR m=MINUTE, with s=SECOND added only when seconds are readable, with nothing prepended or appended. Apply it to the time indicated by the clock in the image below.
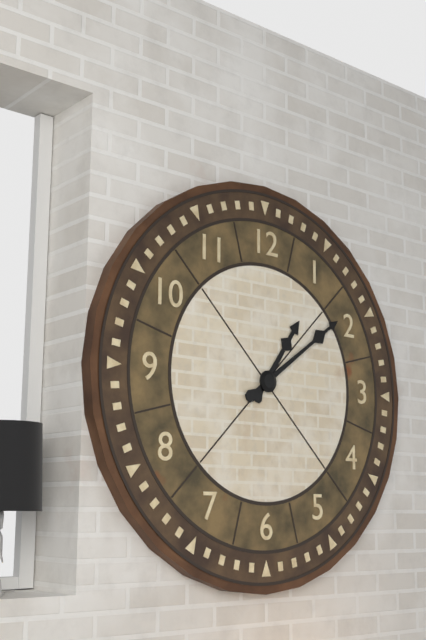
h=1 m=9
